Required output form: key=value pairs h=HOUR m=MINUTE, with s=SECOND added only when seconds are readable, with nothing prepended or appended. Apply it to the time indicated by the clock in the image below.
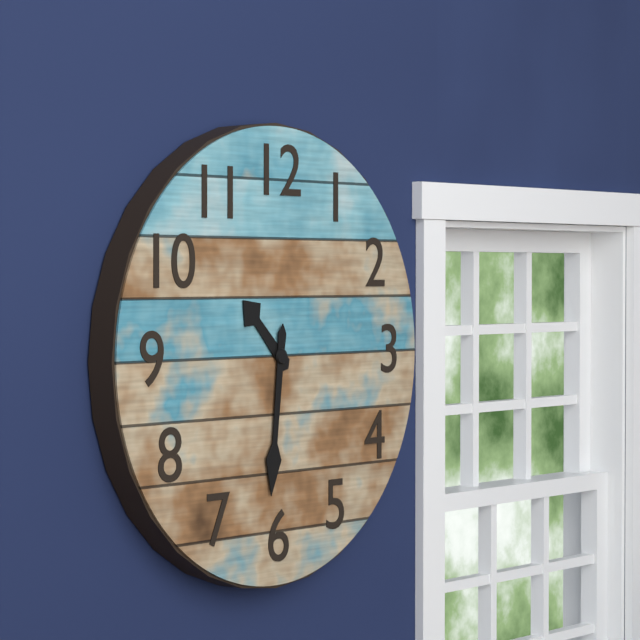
h=10 m=31
